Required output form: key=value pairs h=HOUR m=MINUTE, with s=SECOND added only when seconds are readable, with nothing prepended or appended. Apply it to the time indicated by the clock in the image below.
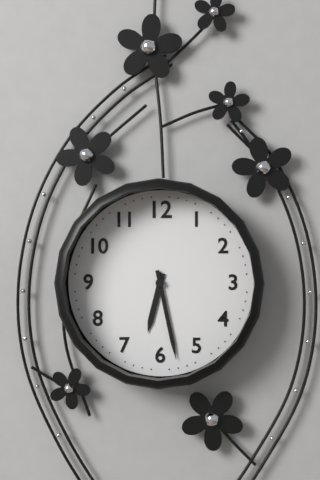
h=6 m=28
